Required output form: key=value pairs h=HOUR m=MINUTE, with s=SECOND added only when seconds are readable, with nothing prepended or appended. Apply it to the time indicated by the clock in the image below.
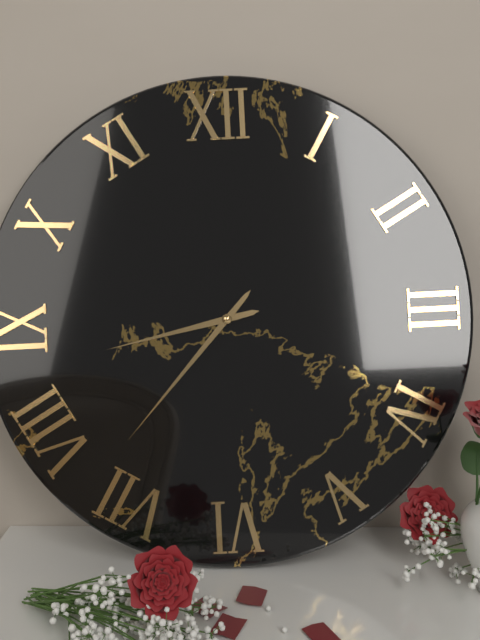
h=8 m=37
